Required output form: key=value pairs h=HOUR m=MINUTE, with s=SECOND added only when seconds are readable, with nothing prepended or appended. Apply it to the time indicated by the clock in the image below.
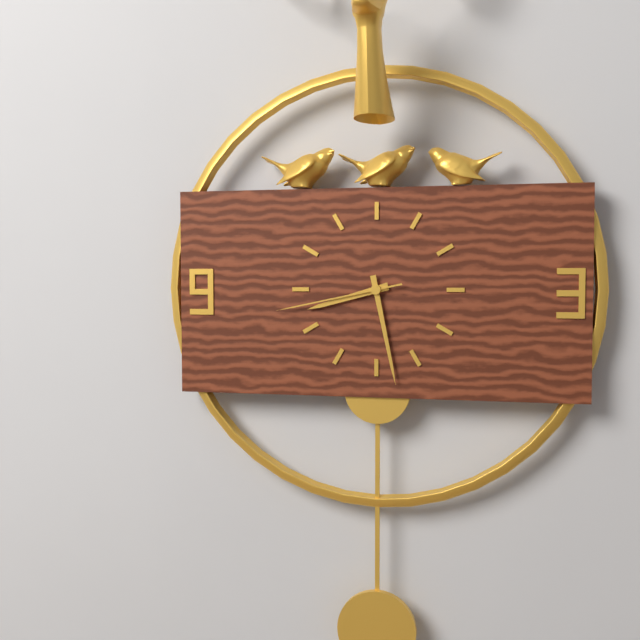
h=8 m=28 s=43
